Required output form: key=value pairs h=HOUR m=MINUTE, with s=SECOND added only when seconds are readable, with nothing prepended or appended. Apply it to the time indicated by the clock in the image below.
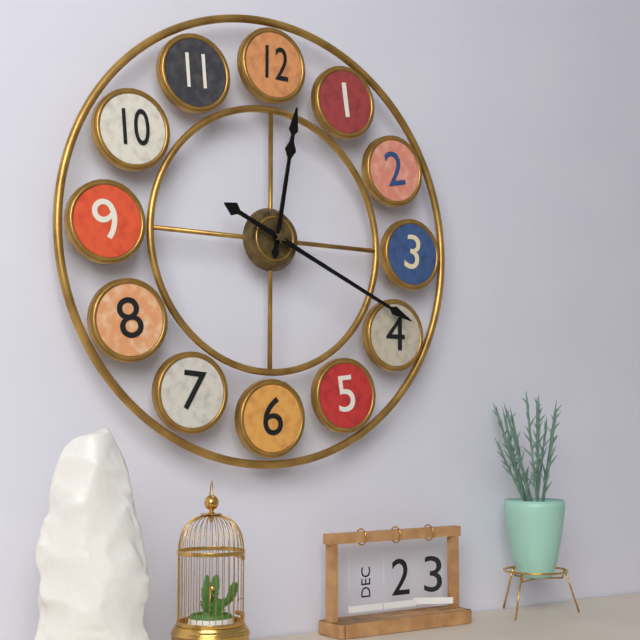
h=12 m=19
